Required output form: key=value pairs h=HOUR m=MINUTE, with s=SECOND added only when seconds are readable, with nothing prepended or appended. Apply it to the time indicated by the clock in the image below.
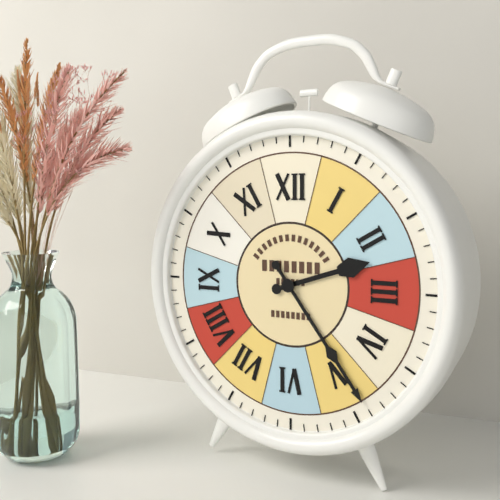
h=2 m=24
